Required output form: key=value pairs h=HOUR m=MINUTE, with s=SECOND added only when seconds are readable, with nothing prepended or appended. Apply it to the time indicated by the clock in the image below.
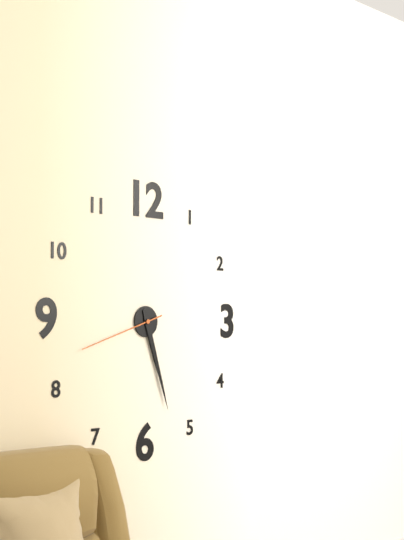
h=5 m=27 s=42
